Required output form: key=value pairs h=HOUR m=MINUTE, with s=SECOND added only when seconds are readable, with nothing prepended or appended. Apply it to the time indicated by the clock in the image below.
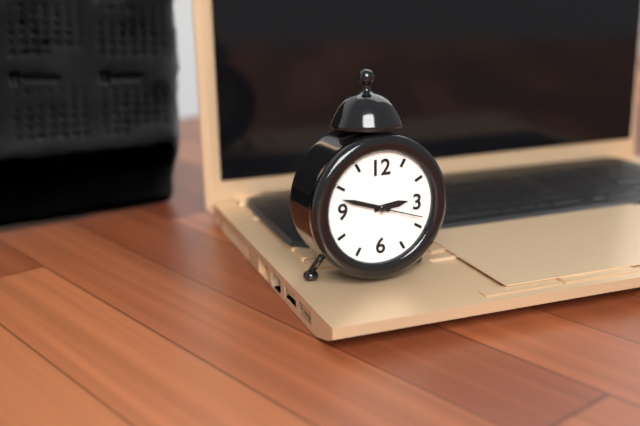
h=2 m=48 s=18
